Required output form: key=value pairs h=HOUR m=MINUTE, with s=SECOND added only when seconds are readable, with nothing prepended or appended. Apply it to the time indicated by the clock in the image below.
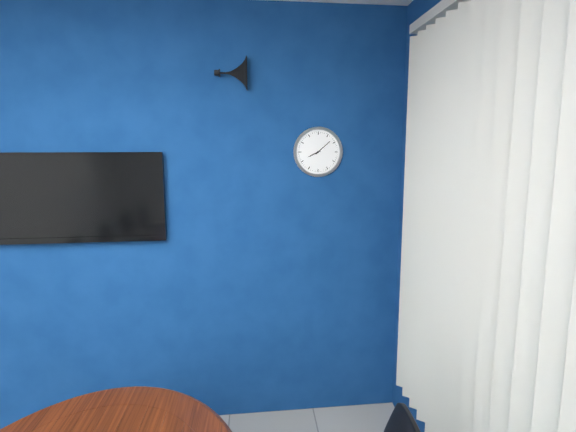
h=8 m=8
